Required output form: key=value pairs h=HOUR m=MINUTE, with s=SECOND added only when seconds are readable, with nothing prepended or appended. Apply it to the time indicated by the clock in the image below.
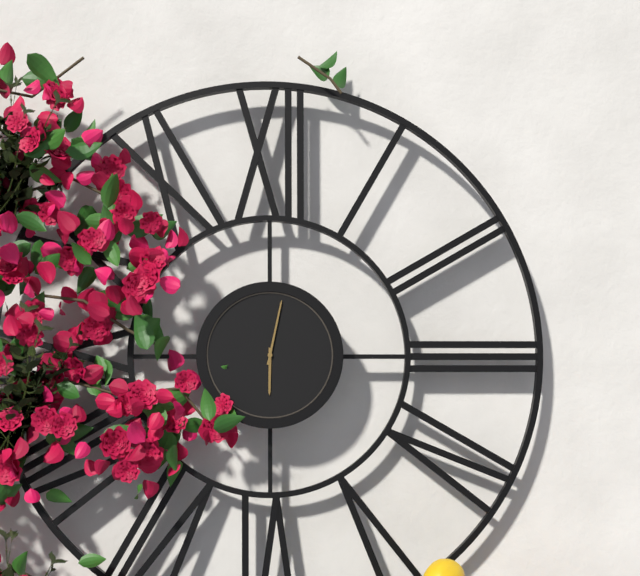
h=6 m=2
